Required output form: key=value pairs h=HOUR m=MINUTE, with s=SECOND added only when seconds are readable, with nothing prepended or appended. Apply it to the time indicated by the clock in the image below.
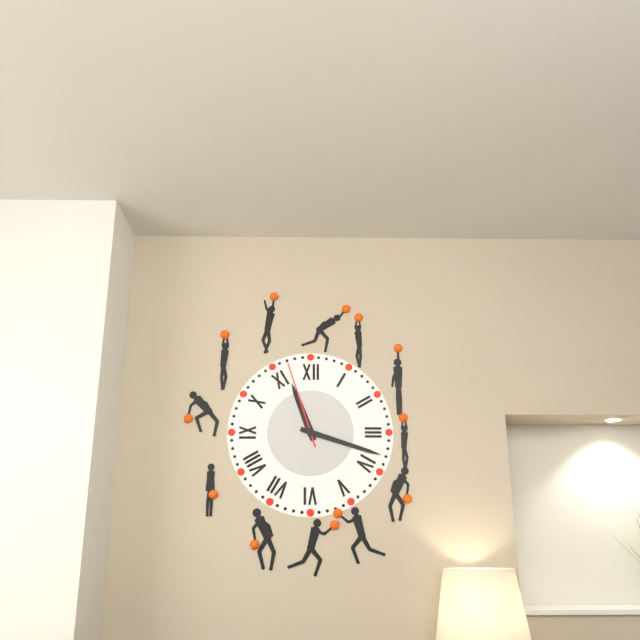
h=11 m=18 s=57
